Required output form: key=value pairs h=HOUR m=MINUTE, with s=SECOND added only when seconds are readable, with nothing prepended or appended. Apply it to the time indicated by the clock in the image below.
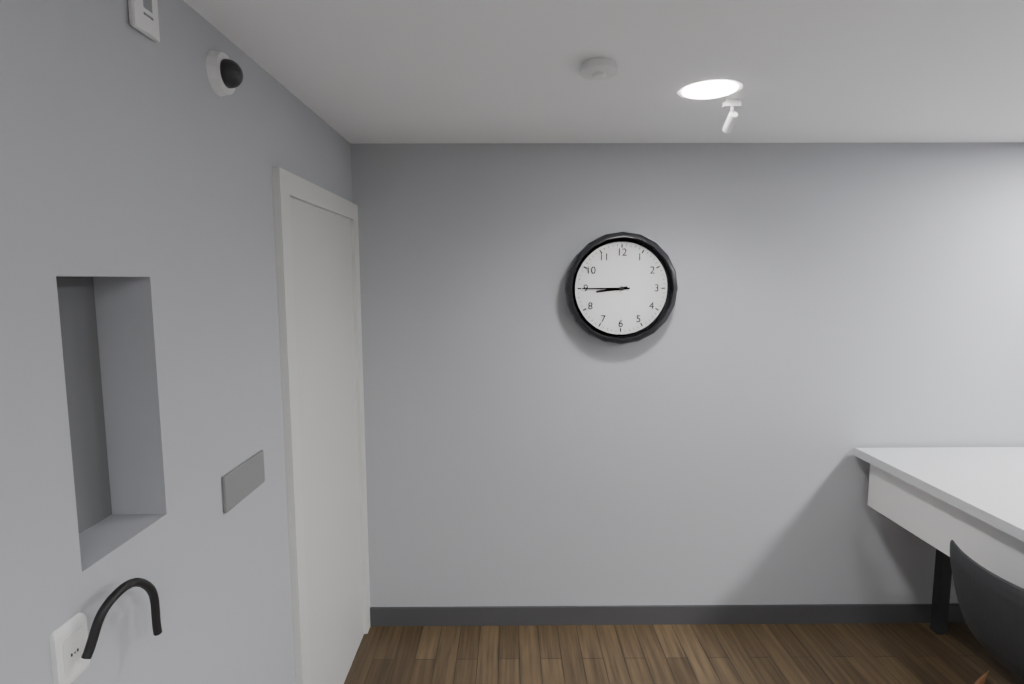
h=8 m=45
